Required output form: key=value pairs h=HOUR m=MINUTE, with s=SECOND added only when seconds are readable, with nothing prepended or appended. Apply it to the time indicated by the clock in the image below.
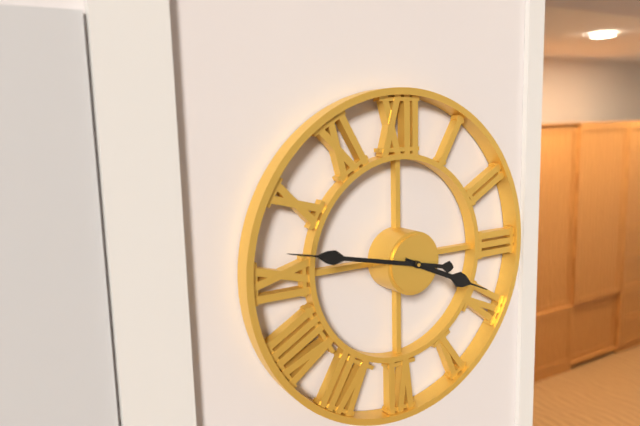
h=3 m=47
